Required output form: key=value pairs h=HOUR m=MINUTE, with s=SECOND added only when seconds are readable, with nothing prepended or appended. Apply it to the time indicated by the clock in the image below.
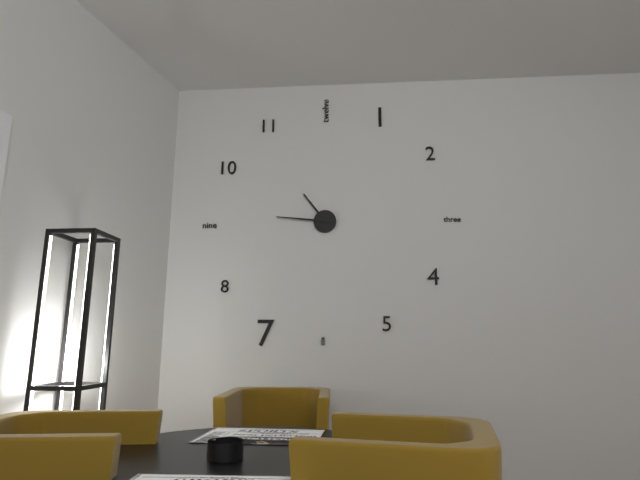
h=10 m=46
